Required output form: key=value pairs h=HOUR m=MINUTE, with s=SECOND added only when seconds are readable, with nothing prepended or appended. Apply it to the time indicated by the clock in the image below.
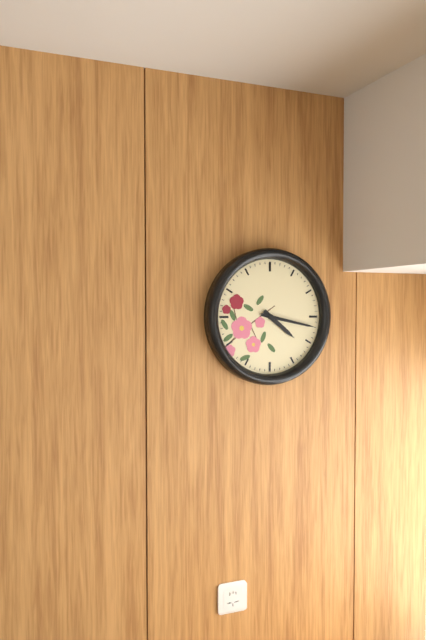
h=4 m=17
